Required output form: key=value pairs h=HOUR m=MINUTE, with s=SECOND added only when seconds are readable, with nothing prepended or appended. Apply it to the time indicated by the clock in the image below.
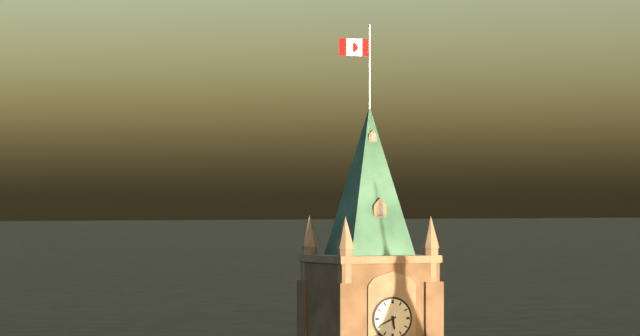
h=5 m=41
